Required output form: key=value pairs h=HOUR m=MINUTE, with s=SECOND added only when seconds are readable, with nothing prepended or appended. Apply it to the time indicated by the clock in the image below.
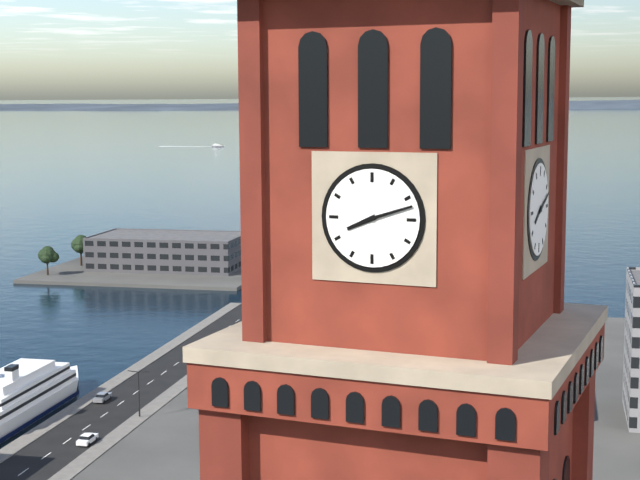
h=8 m=12
